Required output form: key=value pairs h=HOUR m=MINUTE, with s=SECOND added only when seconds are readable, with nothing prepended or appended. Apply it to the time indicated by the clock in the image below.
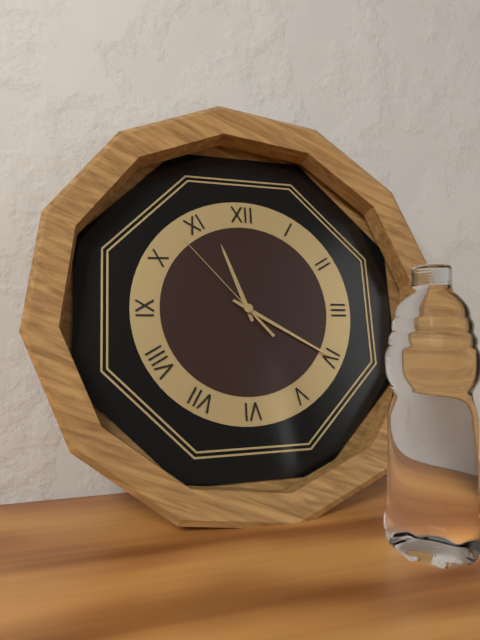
h=11 m=20 s=53
